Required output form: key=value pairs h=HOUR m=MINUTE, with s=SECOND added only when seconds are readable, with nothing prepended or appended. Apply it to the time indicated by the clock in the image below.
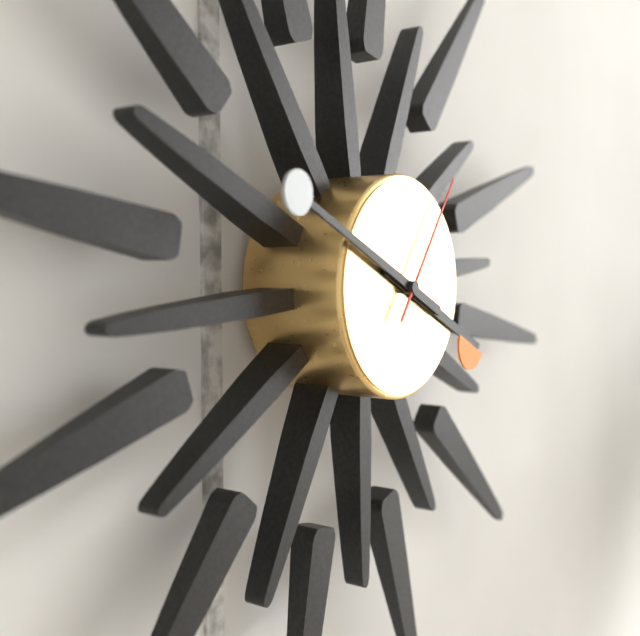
h=3 m=49 s=6
